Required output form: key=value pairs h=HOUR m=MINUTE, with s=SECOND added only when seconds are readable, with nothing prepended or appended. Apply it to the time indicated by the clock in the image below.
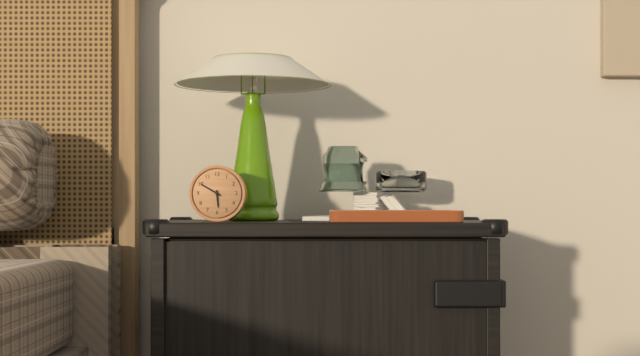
h=5 m=50
